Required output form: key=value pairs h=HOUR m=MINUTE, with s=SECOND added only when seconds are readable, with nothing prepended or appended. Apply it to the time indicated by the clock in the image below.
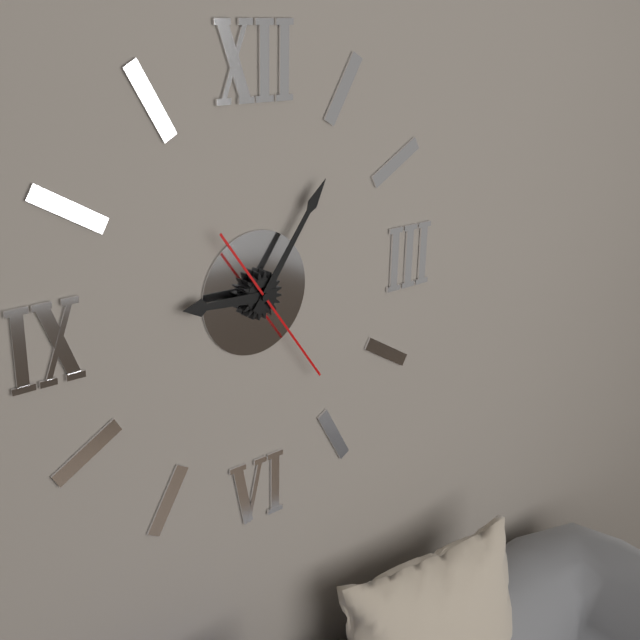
h=9 m=6 s=24
